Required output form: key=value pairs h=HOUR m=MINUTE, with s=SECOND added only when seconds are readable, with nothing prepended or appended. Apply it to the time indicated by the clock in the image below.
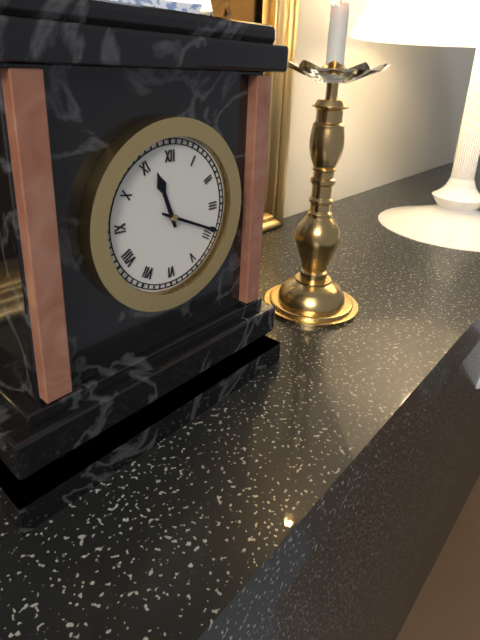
h=11 m=19
